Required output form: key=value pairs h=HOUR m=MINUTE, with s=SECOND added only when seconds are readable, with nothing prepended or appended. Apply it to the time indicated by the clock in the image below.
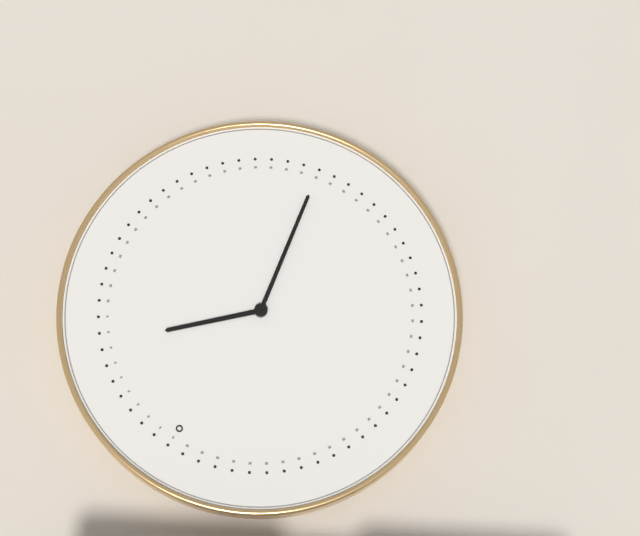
h=1 m=28
